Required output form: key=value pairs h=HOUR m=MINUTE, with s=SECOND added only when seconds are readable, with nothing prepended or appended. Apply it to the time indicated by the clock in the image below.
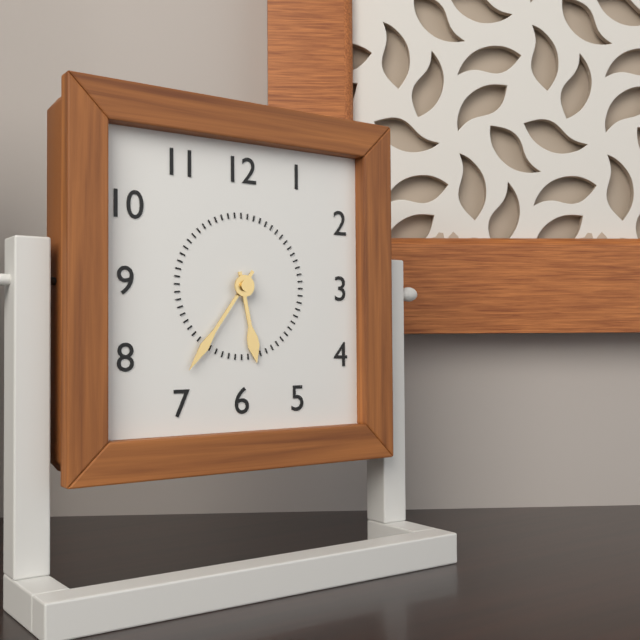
h=5 m=36
